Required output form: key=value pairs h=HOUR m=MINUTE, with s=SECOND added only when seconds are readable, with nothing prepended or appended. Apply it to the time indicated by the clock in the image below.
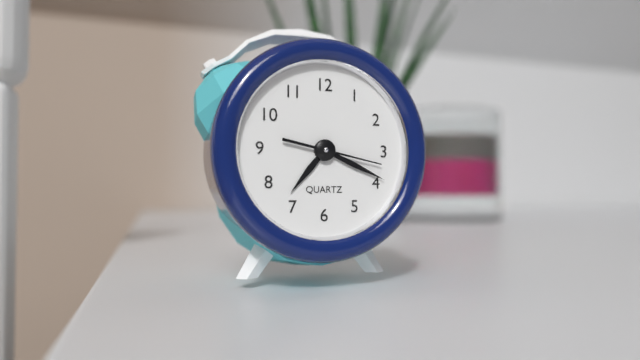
h=7 m=19 s=17
